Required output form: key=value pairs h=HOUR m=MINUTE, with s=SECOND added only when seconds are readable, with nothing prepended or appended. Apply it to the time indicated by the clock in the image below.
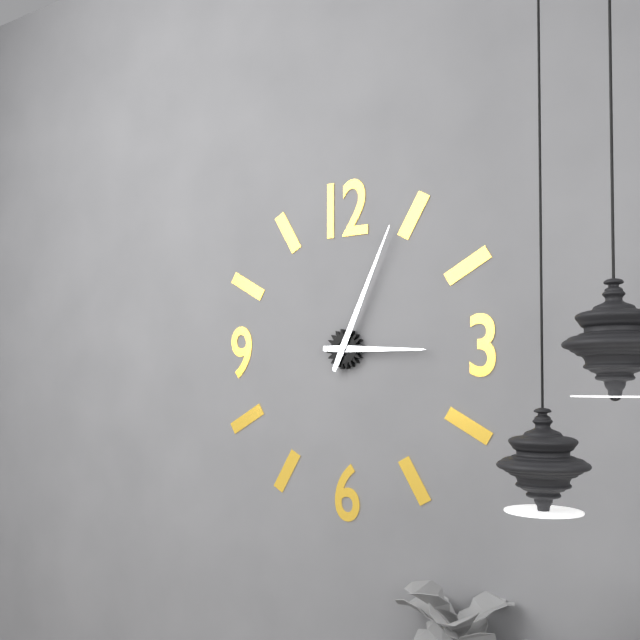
h=3 m=4
